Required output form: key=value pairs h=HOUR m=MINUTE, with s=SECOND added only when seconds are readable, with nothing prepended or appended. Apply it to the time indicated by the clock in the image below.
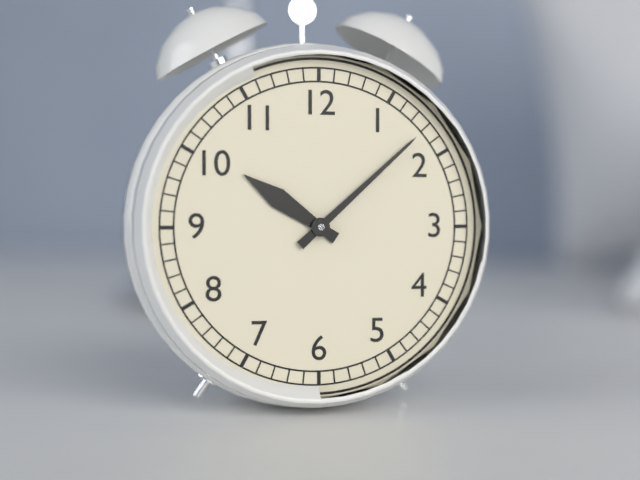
h=10 m=8
